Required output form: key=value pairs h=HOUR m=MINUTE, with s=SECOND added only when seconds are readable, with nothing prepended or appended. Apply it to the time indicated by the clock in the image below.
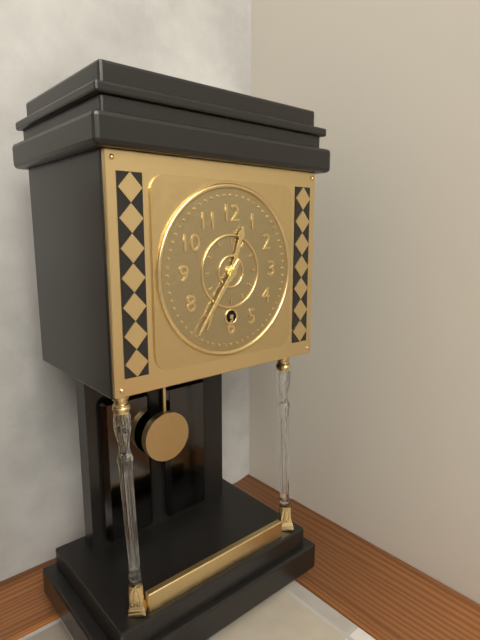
h=12 m=36
